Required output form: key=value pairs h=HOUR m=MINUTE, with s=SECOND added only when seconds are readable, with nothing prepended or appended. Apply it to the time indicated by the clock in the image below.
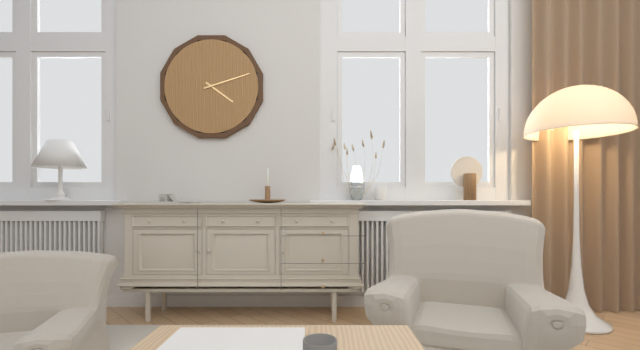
h=4 m=12
